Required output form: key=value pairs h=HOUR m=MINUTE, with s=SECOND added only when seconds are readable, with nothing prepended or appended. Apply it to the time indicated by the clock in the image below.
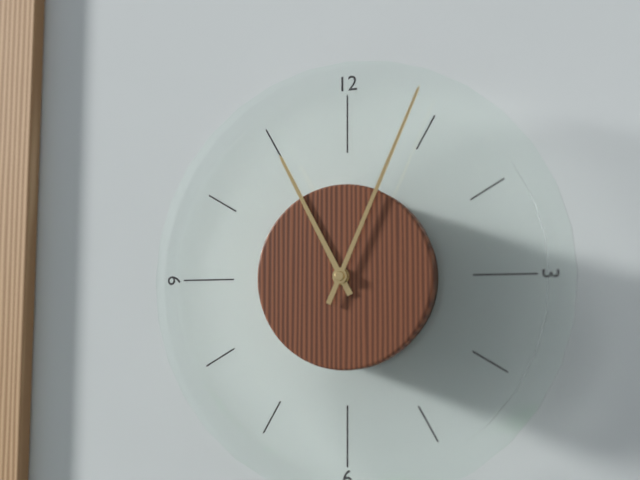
h=11 m=4
